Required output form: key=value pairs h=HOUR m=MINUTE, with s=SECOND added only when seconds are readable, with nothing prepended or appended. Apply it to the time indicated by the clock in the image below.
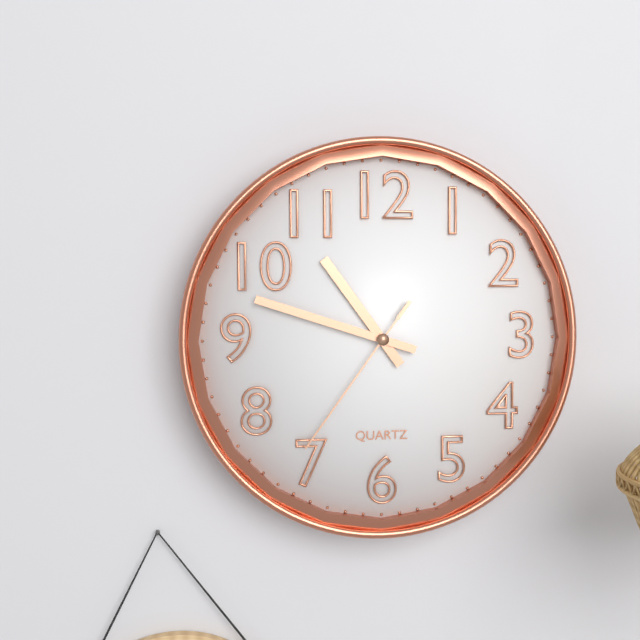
h=10 m=48 s=36
